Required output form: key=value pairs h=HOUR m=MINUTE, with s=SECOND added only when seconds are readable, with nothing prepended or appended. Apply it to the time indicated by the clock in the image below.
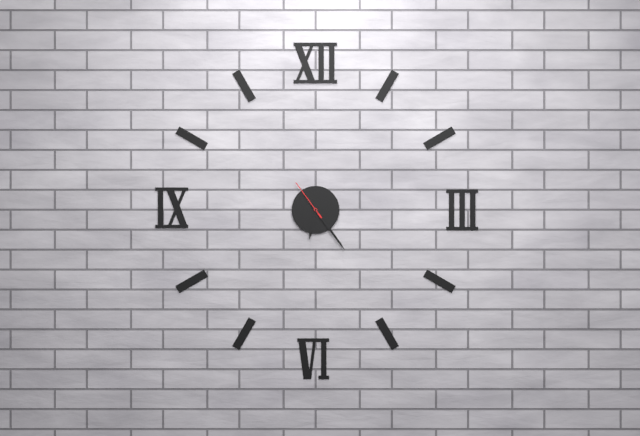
h=6 m=24
